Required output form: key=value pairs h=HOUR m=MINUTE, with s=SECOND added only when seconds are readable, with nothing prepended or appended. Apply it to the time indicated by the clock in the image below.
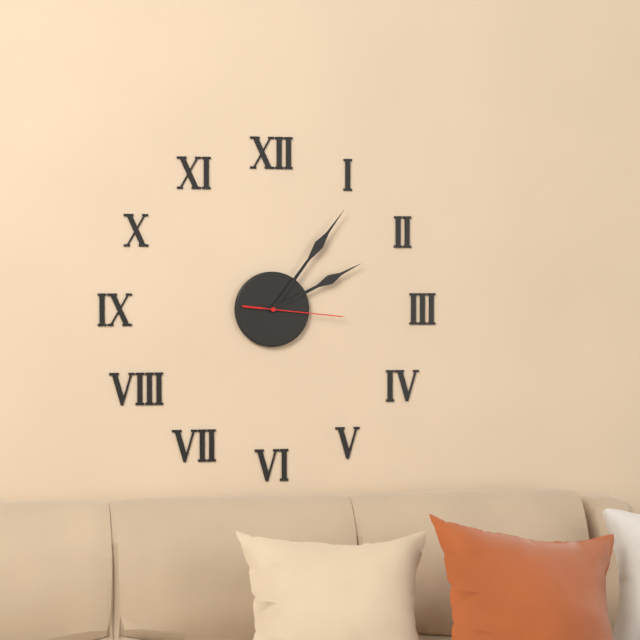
h=2 m=6 s=16
